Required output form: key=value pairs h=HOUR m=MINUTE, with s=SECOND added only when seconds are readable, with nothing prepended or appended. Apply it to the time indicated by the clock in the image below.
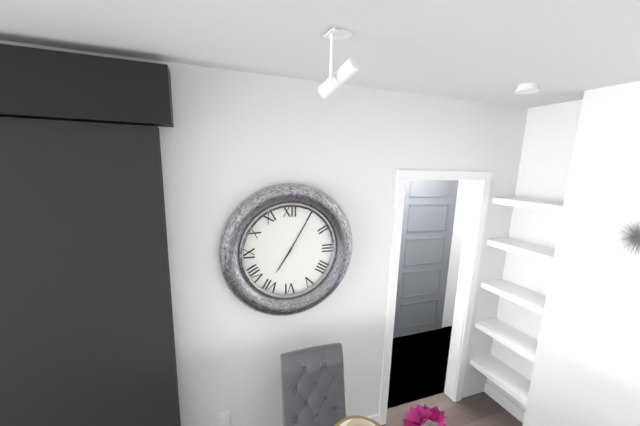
h=7 m=5
